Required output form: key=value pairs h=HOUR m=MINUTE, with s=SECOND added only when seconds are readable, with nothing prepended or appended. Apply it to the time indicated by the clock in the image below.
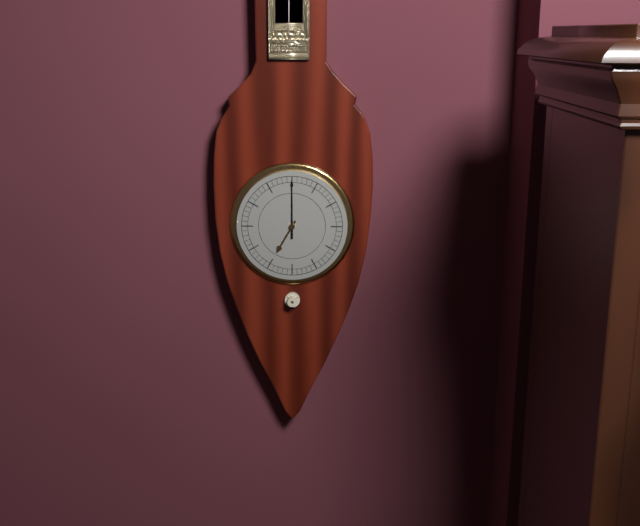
h=7 m=0
